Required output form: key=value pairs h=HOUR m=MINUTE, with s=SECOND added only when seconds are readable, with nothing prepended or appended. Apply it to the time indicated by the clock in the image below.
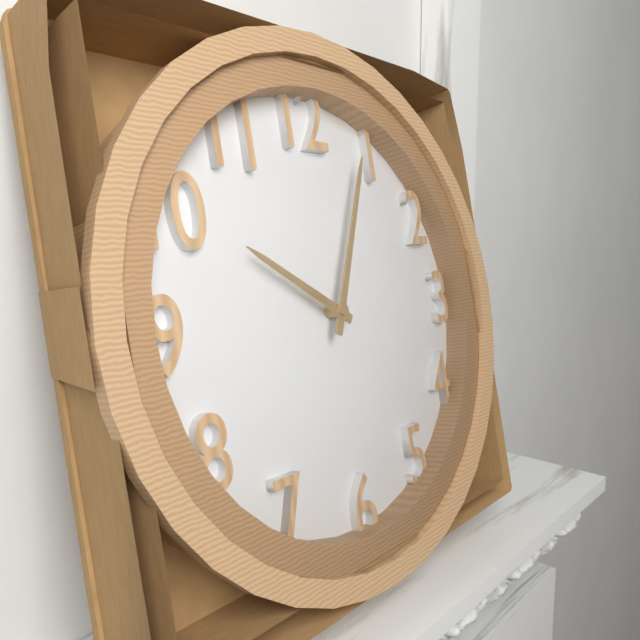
h=10 m=4
